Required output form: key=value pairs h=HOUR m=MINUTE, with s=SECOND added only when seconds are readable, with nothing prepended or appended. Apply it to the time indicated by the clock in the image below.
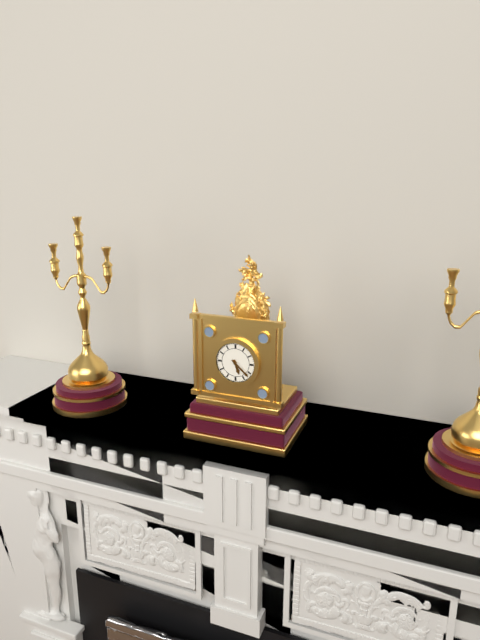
h=5 m=22
